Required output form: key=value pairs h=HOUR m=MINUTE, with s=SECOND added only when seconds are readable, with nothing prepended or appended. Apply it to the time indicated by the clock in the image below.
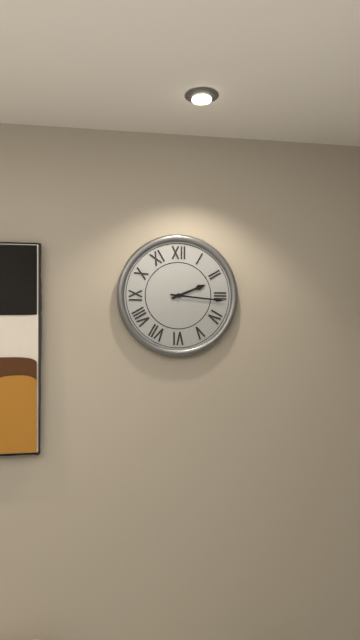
h=2 m=16
